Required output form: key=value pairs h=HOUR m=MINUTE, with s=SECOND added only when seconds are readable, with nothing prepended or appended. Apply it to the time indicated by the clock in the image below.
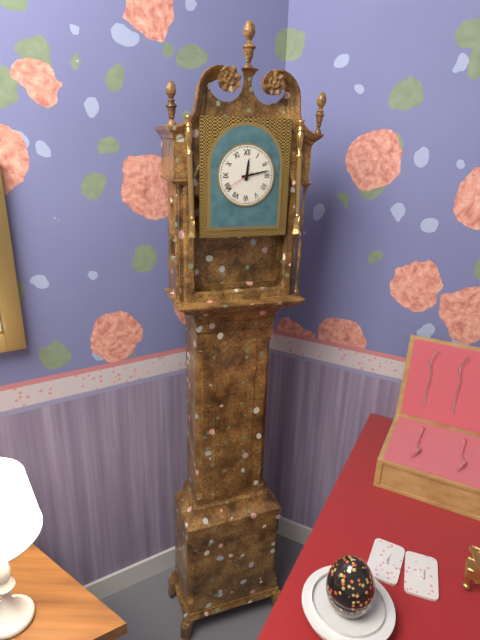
h=12 m=13
